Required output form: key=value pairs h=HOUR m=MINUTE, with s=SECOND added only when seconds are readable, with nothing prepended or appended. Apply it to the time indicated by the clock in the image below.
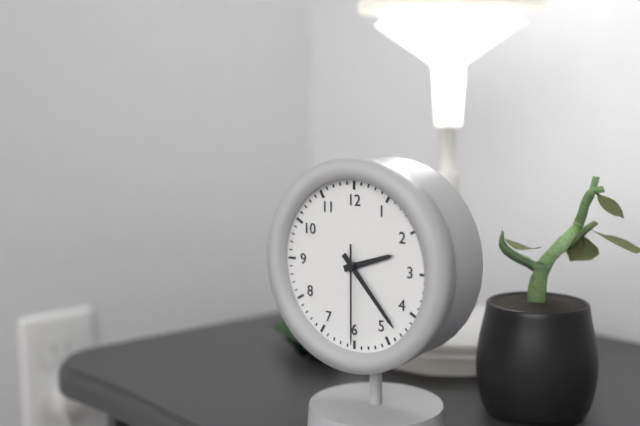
h=2 m=23 s=30
